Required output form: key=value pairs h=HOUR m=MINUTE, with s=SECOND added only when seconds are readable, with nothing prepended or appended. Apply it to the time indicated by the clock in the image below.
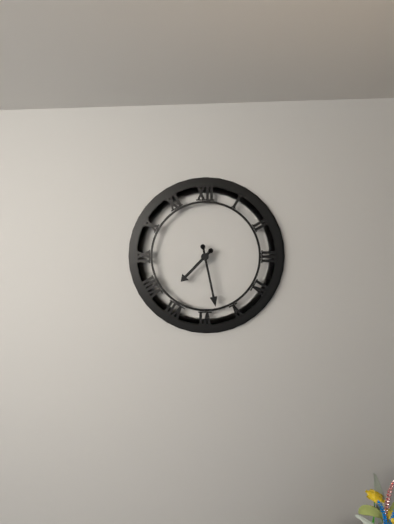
h=7 m=28
